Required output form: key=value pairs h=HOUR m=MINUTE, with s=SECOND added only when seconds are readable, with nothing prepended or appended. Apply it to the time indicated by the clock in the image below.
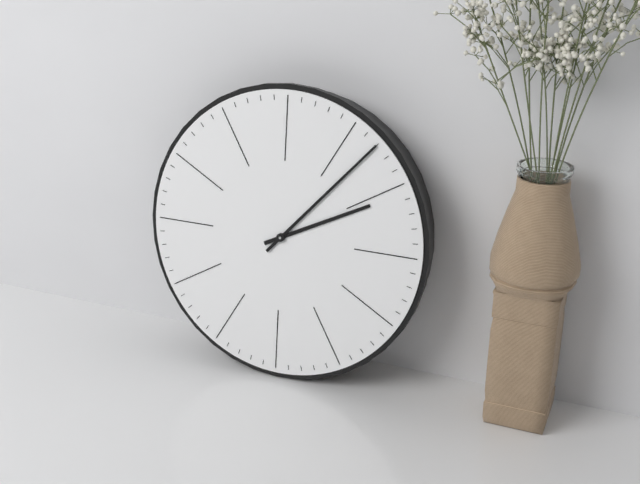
h=2 m=7
